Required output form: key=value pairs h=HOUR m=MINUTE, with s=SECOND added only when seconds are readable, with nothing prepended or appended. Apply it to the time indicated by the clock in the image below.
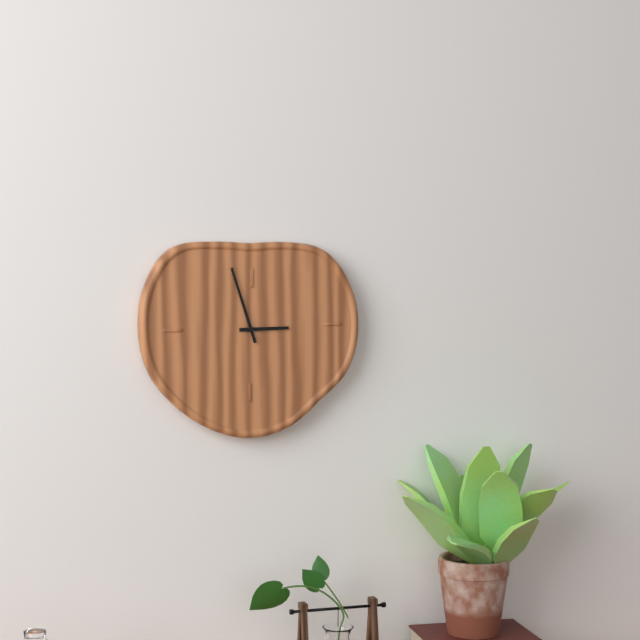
h=2 m=57
